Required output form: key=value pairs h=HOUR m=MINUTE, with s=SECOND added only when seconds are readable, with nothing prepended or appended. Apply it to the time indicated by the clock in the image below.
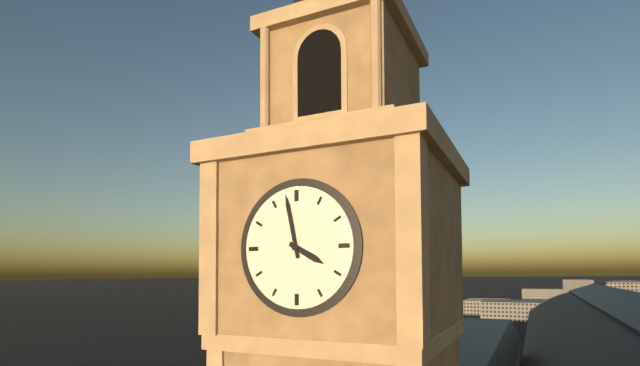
h=3 m=58
